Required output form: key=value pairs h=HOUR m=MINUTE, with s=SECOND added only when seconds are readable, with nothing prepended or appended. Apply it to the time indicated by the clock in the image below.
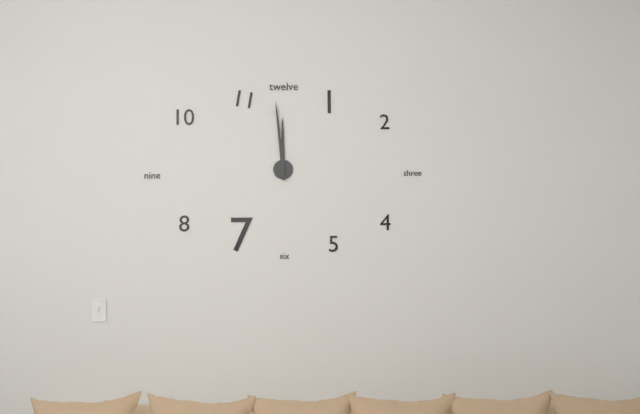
h=11 m=59
